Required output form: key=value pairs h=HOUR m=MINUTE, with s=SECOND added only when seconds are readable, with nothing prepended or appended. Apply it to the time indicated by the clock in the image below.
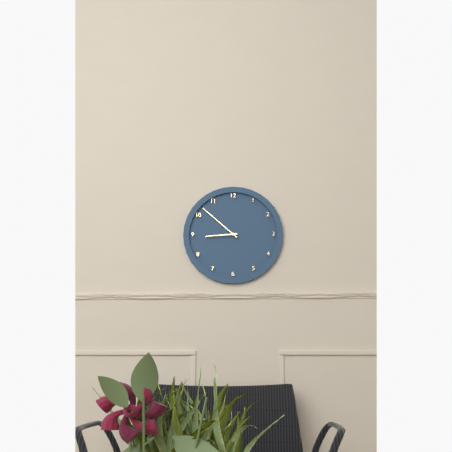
h=8 m=52
